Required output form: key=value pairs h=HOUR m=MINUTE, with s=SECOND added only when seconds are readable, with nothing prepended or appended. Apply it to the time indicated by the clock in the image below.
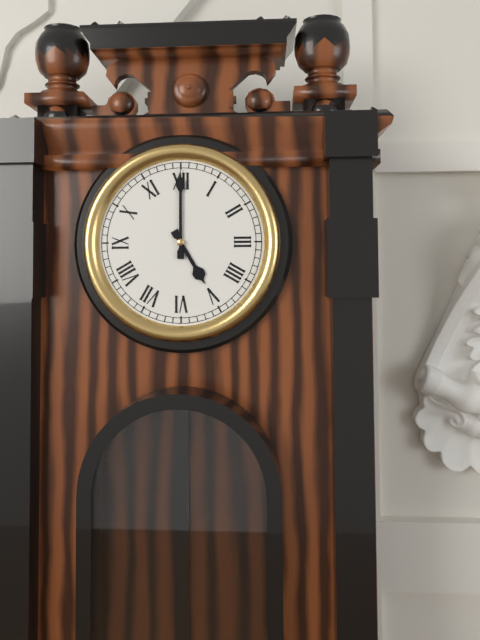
h=5 m=0
